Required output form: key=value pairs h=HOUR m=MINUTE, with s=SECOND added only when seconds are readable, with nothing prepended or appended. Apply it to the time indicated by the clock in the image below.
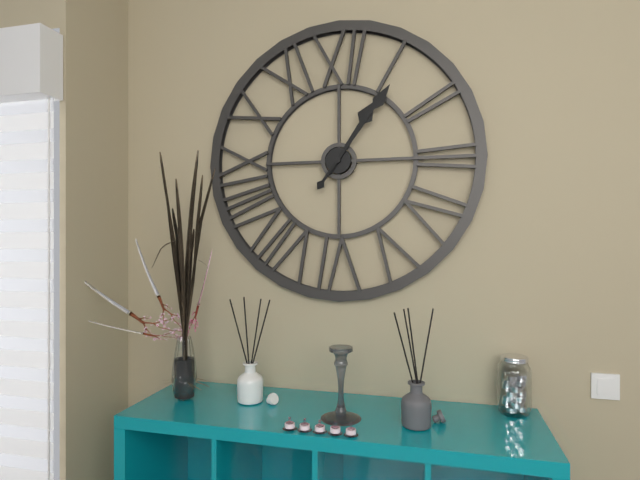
h=1 m=6
